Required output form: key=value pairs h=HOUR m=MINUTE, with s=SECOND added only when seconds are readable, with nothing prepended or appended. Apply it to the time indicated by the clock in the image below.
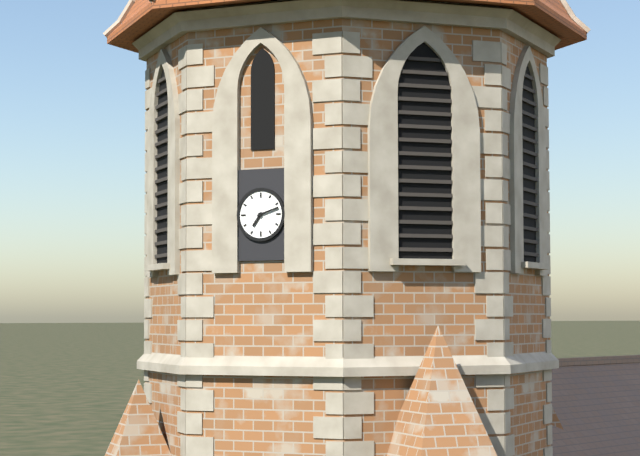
h=7 m=12
